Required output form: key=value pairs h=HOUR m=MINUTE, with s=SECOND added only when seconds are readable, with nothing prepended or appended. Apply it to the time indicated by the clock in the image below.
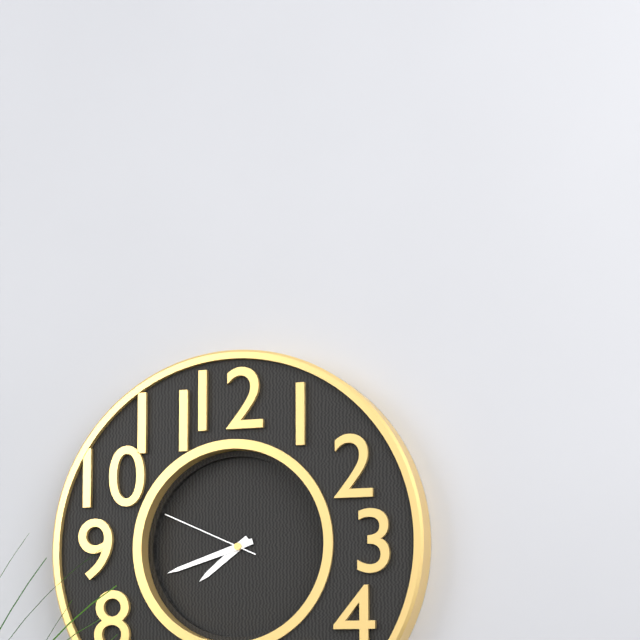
h=7 m=42 s=49
